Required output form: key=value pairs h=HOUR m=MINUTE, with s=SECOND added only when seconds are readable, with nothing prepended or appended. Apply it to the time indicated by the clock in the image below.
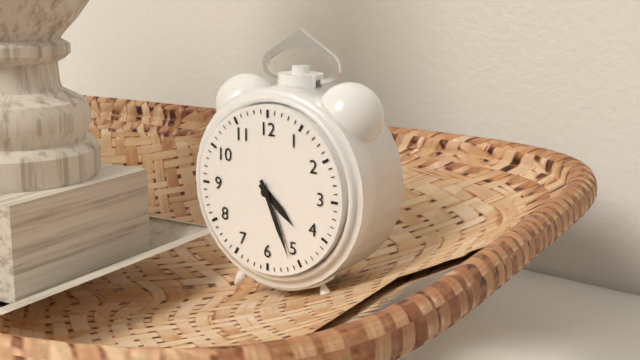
h=4 m=26
